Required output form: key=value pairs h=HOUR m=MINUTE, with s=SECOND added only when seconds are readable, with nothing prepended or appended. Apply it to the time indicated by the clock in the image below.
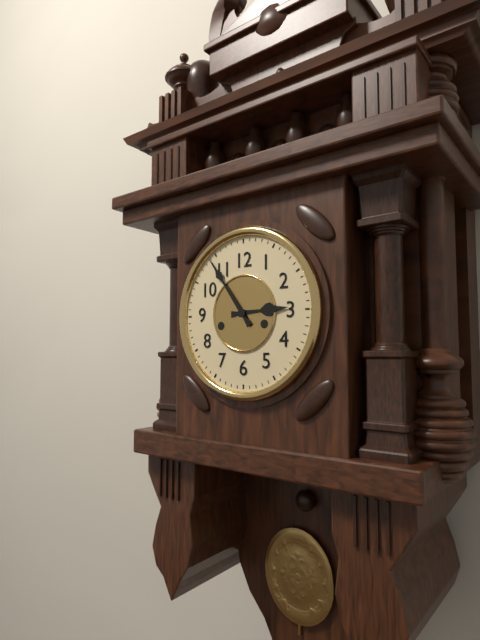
h=2 m=54
